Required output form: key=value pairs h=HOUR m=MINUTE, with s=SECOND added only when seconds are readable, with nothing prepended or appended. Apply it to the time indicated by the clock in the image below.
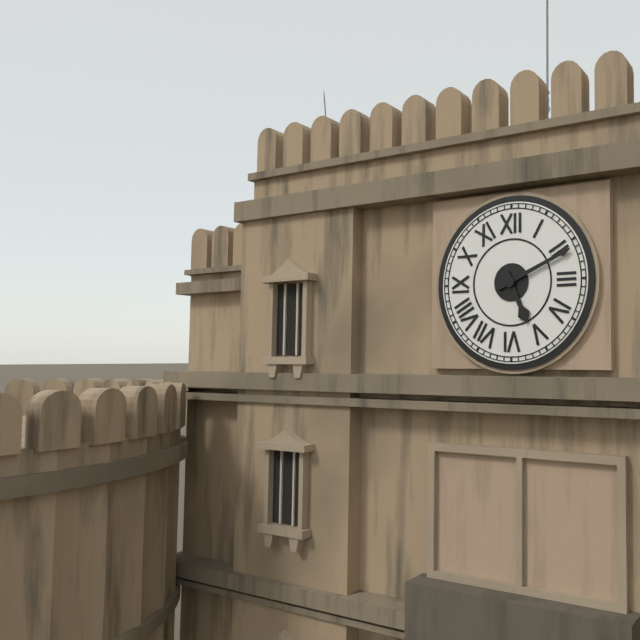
h=5 m=11
